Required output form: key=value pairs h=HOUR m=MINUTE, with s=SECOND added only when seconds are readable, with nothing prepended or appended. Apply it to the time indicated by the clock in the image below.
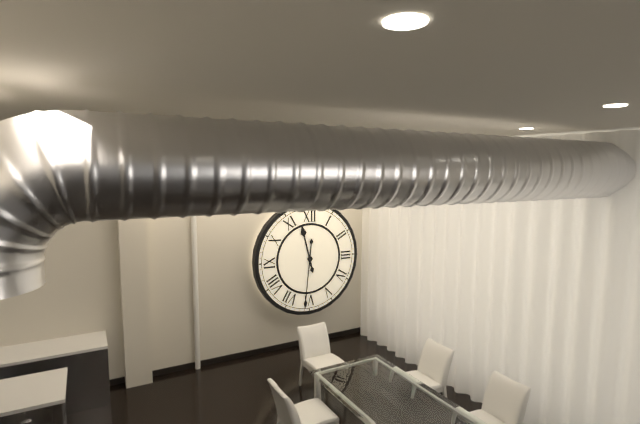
h=11 m=31
